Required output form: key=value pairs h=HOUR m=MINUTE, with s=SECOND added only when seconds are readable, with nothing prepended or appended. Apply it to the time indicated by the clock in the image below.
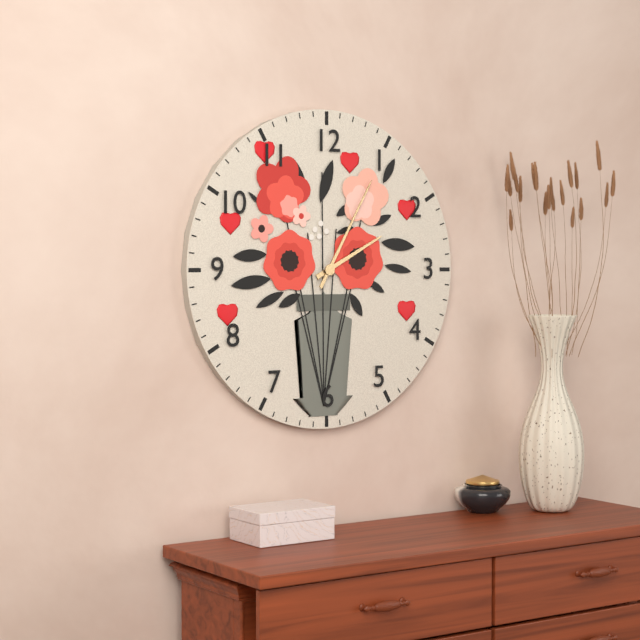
h=2 m=5
